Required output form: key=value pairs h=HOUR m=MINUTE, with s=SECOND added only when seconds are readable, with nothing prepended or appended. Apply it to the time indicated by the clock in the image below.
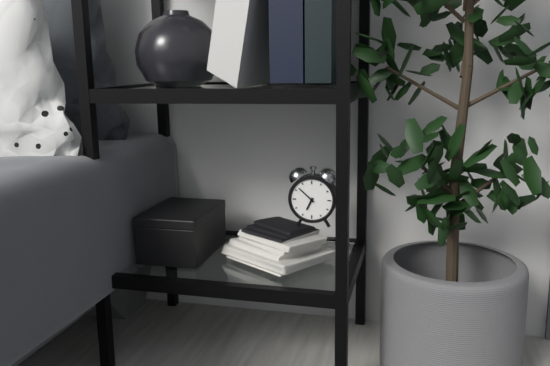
h=6 m=52
